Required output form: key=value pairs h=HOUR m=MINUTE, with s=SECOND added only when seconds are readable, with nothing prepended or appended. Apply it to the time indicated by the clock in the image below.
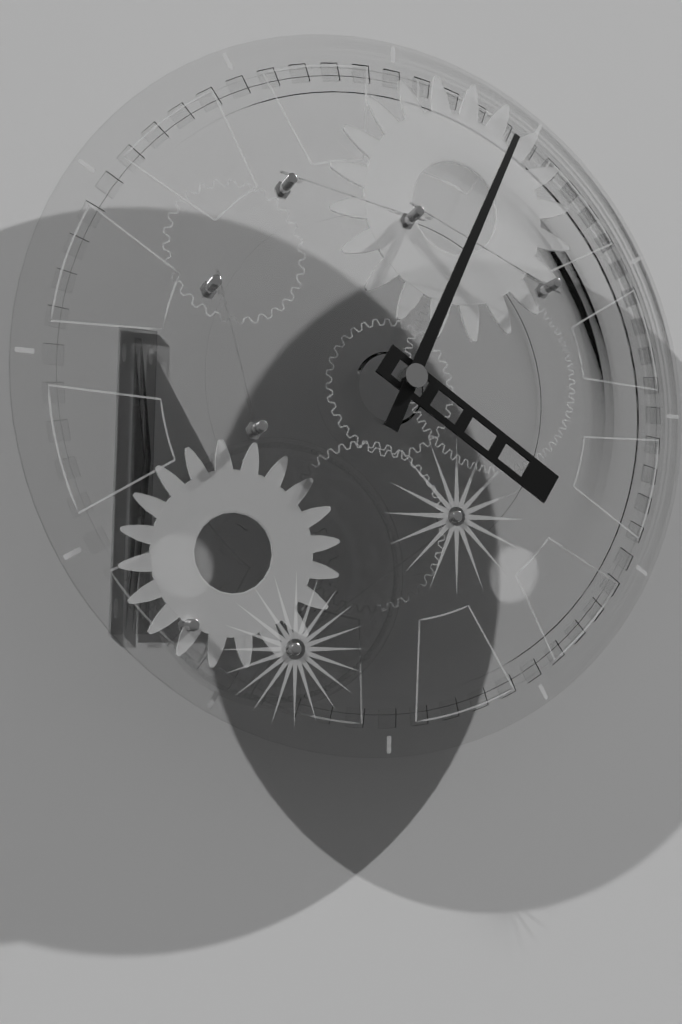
h=4 m=4
